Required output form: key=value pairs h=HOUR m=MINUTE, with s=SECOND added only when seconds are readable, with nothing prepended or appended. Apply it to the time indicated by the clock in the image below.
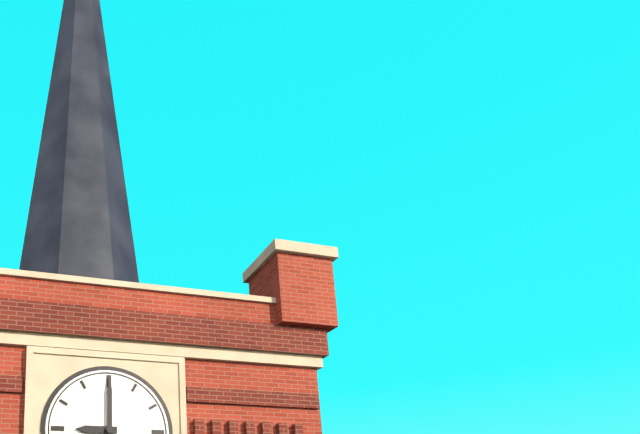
h=9 m=0
